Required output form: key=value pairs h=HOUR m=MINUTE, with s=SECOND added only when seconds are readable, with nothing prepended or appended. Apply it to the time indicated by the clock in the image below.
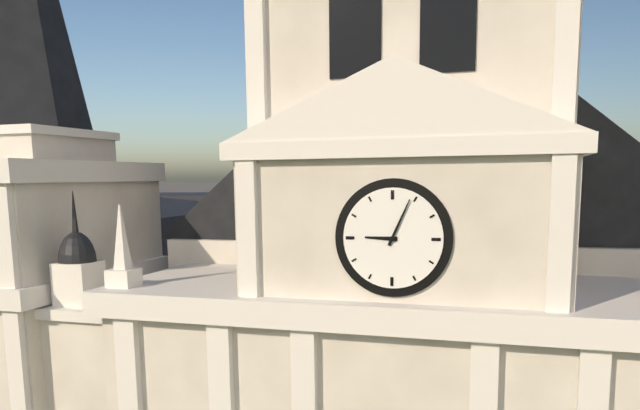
h=9 m=4
